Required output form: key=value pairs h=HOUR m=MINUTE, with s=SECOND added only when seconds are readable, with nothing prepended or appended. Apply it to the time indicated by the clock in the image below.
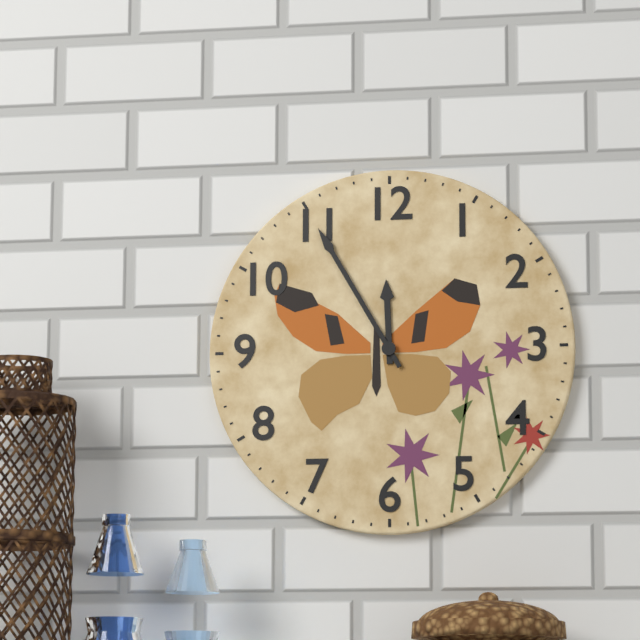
h=11 m=55
